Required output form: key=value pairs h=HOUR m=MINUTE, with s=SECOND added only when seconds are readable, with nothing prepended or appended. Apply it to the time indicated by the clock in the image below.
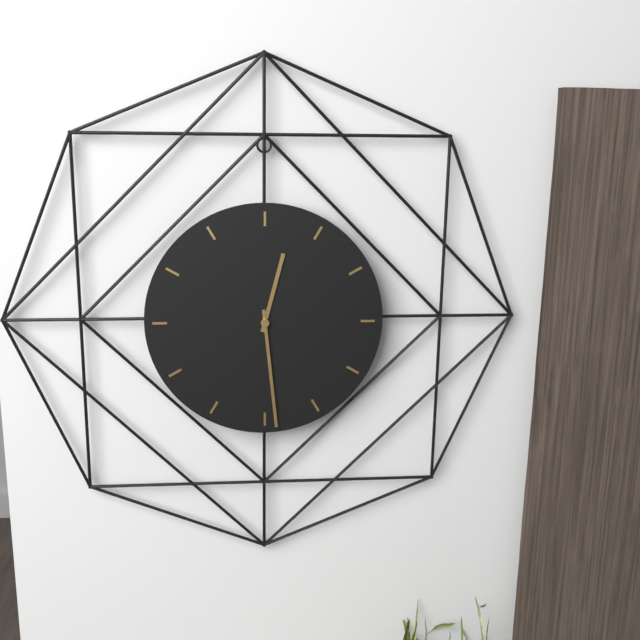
h=12 m=29
